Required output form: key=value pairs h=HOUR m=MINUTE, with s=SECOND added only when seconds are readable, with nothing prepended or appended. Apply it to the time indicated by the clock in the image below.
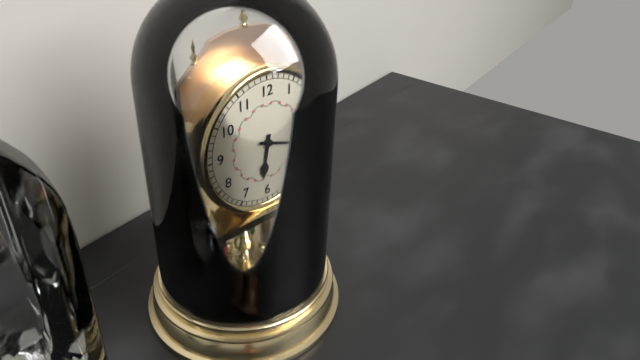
h=6 m=18
